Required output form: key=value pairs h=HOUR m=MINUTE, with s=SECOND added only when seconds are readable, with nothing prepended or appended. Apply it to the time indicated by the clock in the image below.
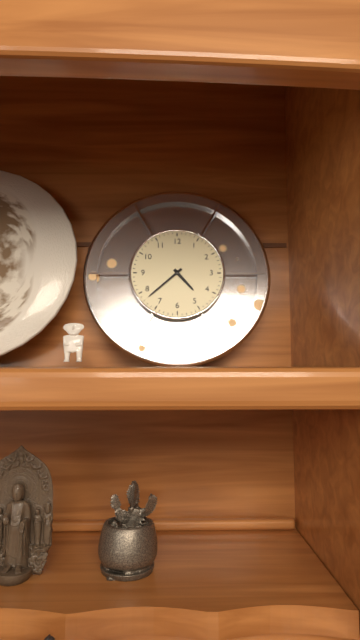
h=4 m=38
